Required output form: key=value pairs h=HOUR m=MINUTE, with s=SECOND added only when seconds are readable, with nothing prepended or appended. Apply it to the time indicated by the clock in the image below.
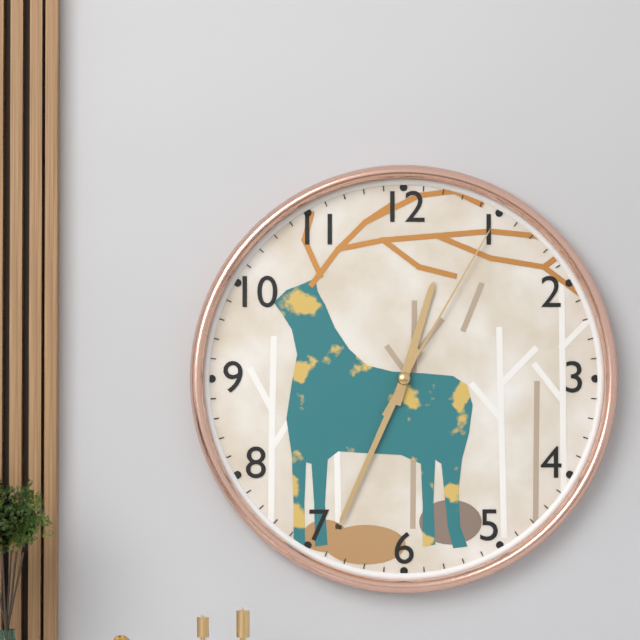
h=12 m=34 s=5
